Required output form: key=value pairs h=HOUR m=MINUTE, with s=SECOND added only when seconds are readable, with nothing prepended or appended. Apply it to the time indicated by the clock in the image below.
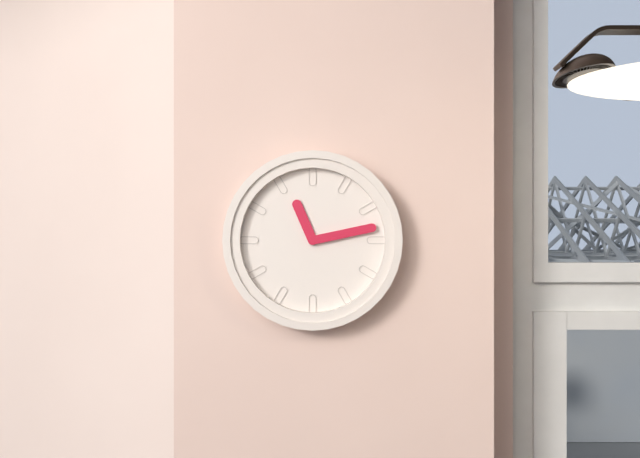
h=11 m=13
